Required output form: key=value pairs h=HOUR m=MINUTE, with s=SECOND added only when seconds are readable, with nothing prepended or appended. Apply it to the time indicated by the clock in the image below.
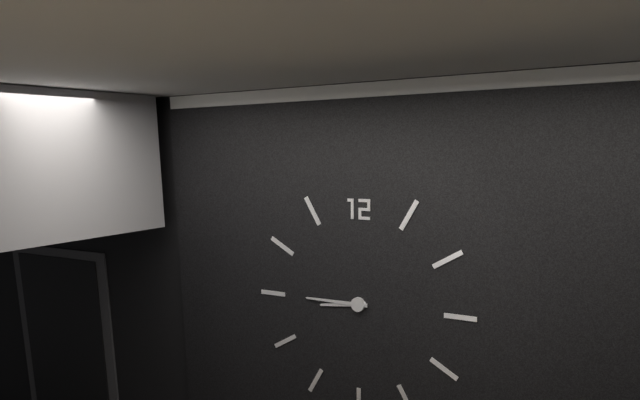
h=8 m=45
